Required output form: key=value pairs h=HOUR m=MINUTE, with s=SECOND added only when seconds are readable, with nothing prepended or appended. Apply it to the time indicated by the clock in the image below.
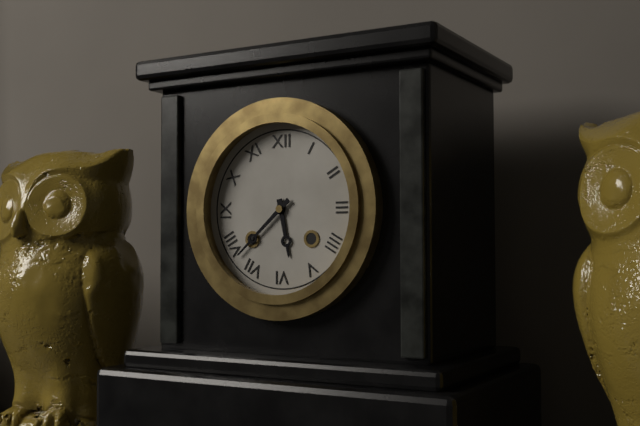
h=5 m=38
